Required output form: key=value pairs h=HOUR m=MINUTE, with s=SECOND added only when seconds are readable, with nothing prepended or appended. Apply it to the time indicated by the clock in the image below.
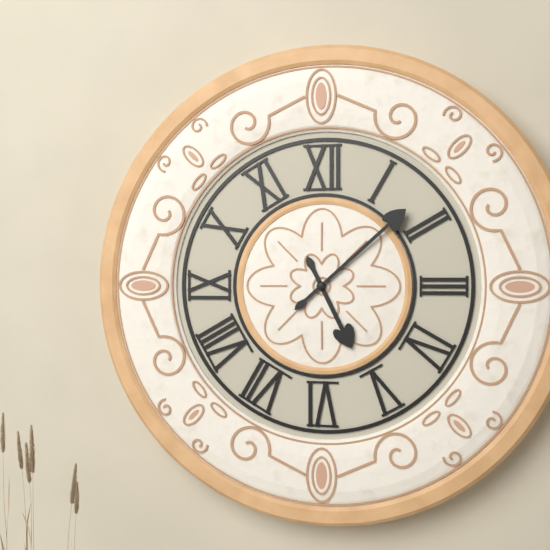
h=5 m=8
